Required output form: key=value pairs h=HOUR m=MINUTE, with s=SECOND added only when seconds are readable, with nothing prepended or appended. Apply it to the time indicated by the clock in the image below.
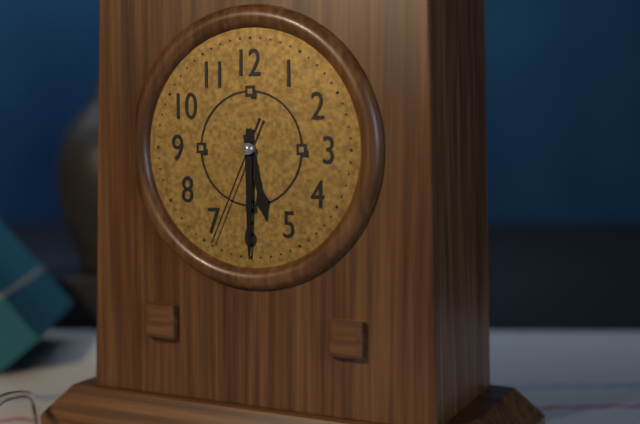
h=5 m=30 s=34
